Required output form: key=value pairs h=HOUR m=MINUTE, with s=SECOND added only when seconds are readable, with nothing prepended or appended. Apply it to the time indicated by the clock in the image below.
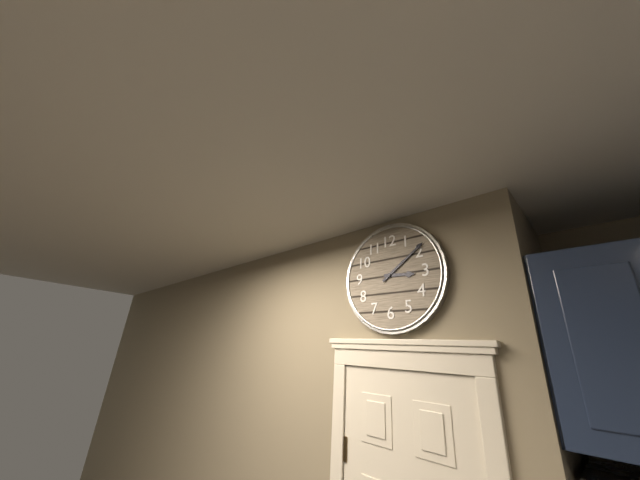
h=3 m=9
